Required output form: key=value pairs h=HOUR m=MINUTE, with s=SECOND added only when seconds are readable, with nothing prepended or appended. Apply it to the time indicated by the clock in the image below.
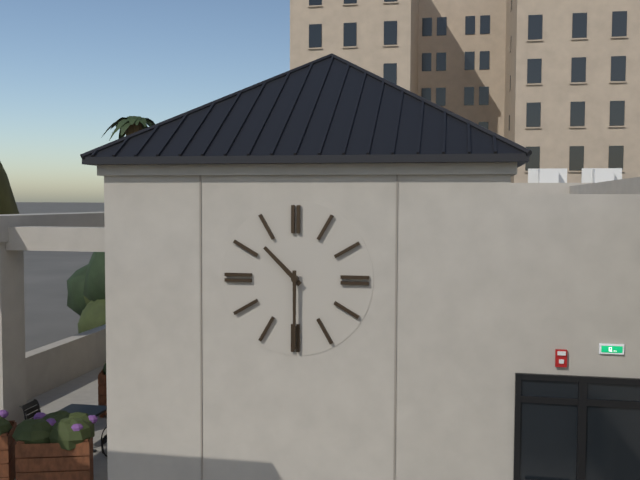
h=10 m=30
